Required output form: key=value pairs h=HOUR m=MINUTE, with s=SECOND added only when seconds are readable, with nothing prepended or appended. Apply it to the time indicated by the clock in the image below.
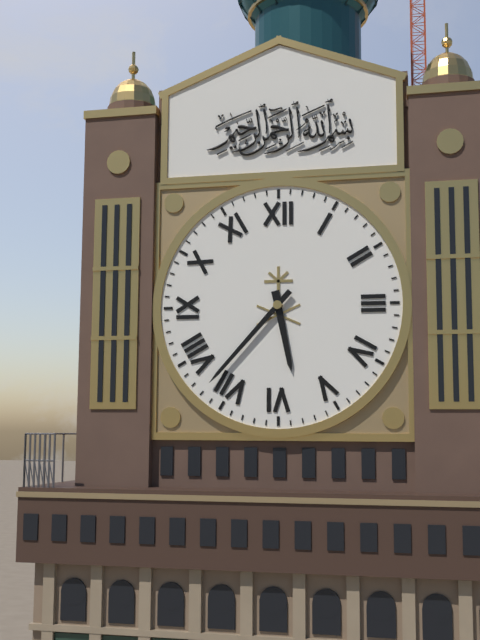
h=5 m=37
